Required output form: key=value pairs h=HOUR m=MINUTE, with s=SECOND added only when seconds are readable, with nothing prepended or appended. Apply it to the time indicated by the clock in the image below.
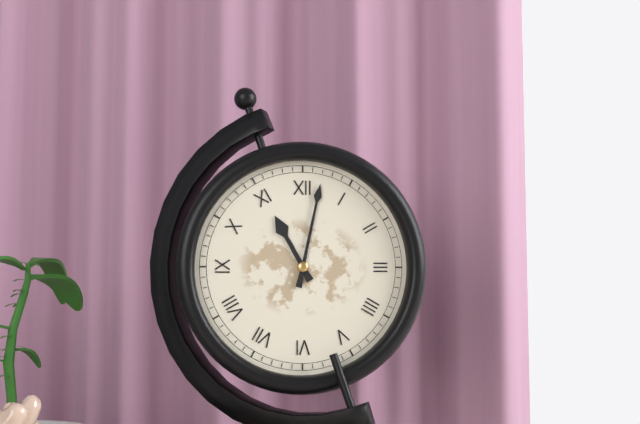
h=11 m=2
